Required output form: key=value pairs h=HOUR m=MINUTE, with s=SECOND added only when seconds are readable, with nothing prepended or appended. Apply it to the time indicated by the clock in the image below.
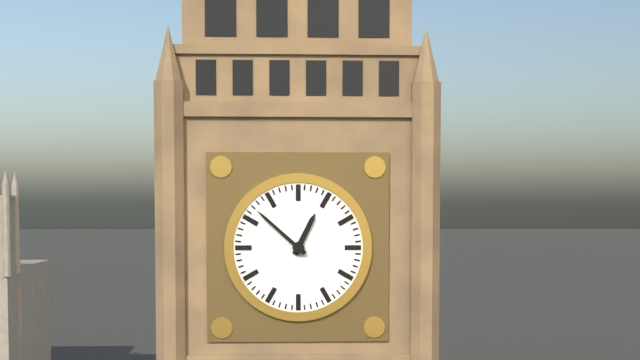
h=12 m=52
